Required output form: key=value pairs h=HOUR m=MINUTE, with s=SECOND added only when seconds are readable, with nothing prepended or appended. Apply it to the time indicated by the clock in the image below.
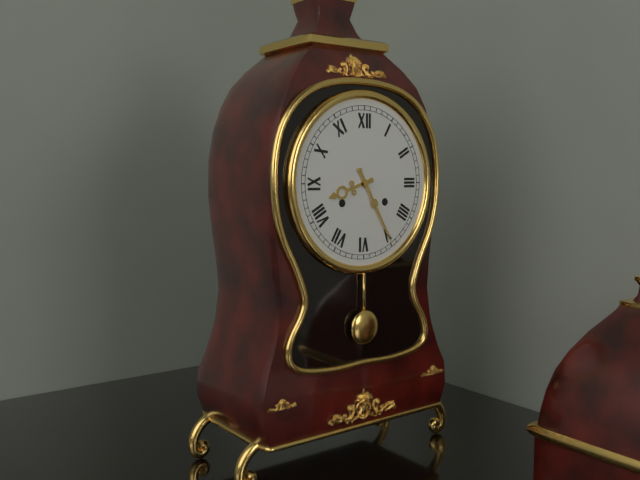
h=8 m=25
